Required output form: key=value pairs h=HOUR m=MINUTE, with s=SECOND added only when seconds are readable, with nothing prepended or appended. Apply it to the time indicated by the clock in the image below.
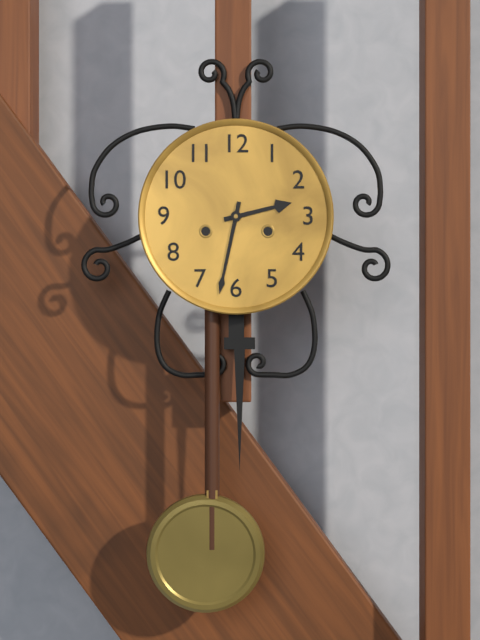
h=2 m=32
